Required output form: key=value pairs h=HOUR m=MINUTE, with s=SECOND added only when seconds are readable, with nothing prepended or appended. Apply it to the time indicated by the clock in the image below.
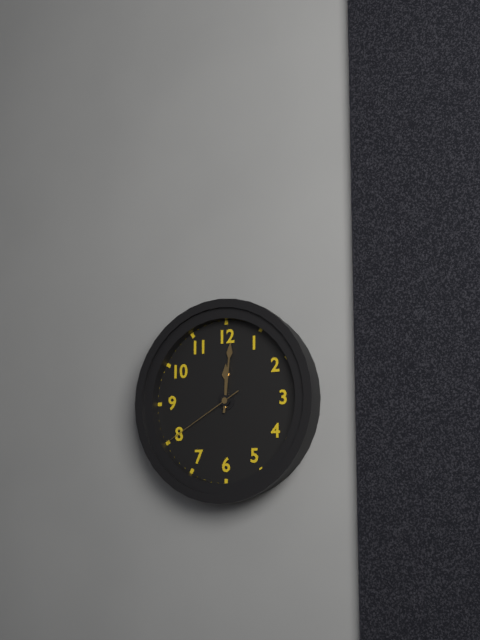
h=12 m=1 s=40
